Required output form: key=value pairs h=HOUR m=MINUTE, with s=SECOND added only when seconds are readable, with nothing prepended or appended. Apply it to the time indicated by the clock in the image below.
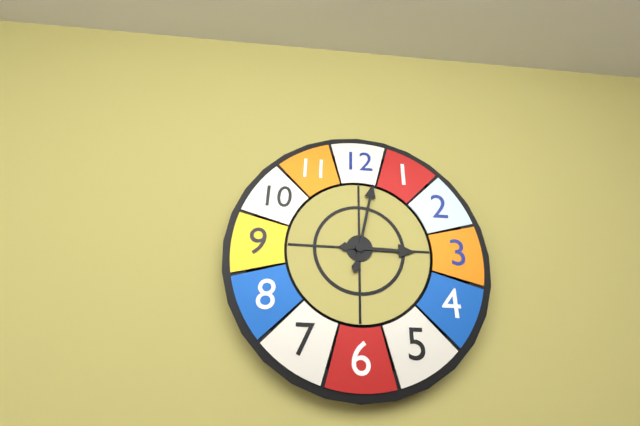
h=3 m=2
